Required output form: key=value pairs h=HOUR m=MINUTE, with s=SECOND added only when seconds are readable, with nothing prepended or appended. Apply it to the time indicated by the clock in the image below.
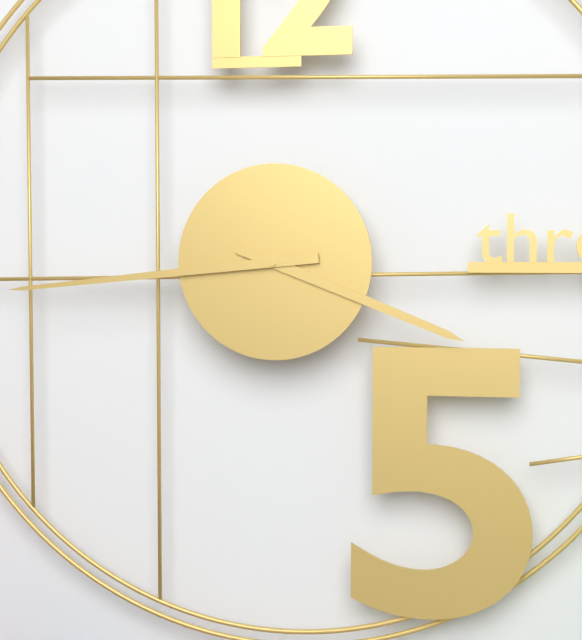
h=3 m=44
